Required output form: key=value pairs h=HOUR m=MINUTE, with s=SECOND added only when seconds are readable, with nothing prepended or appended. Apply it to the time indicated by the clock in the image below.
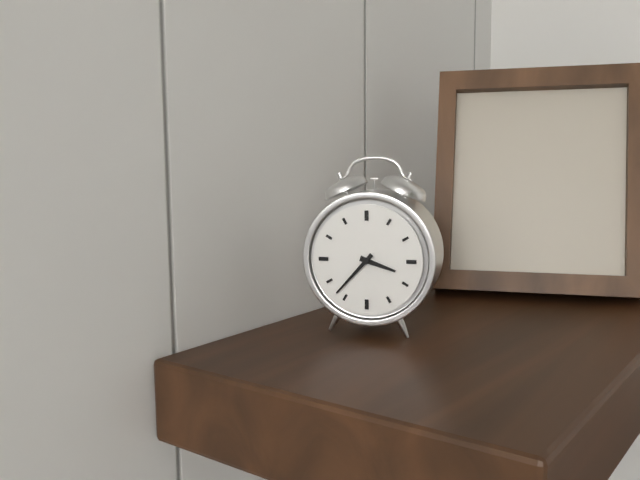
h=3 m=37
